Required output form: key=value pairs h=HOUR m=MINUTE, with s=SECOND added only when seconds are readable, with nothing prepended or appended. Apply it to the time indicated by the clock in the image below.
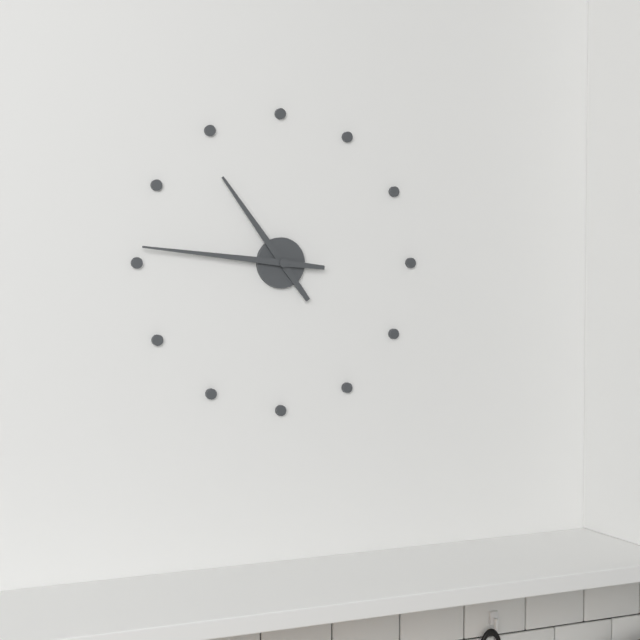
h=10 m=46
